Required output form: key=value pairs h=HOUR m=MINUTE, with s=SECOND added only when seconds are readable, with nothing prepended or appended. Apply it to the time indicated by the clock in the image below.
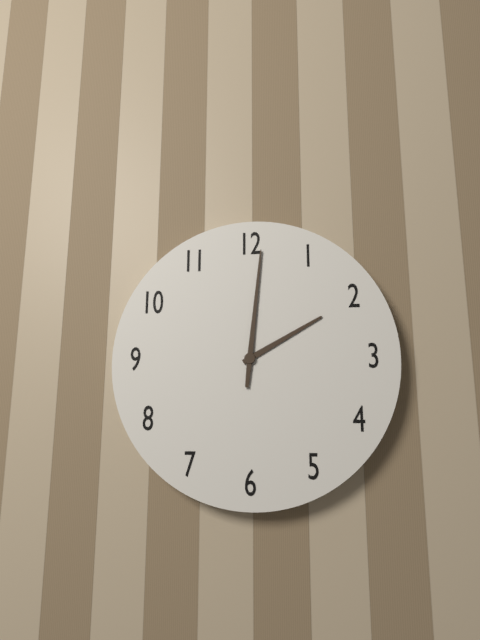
h=2 m=1
